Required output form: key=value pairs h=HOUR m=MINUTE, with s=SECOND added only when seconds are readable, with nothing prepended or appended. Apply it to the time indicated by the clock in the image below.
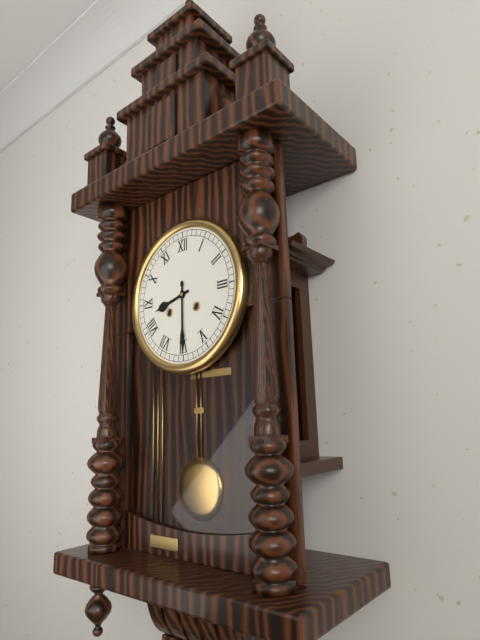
h=8 m=30
